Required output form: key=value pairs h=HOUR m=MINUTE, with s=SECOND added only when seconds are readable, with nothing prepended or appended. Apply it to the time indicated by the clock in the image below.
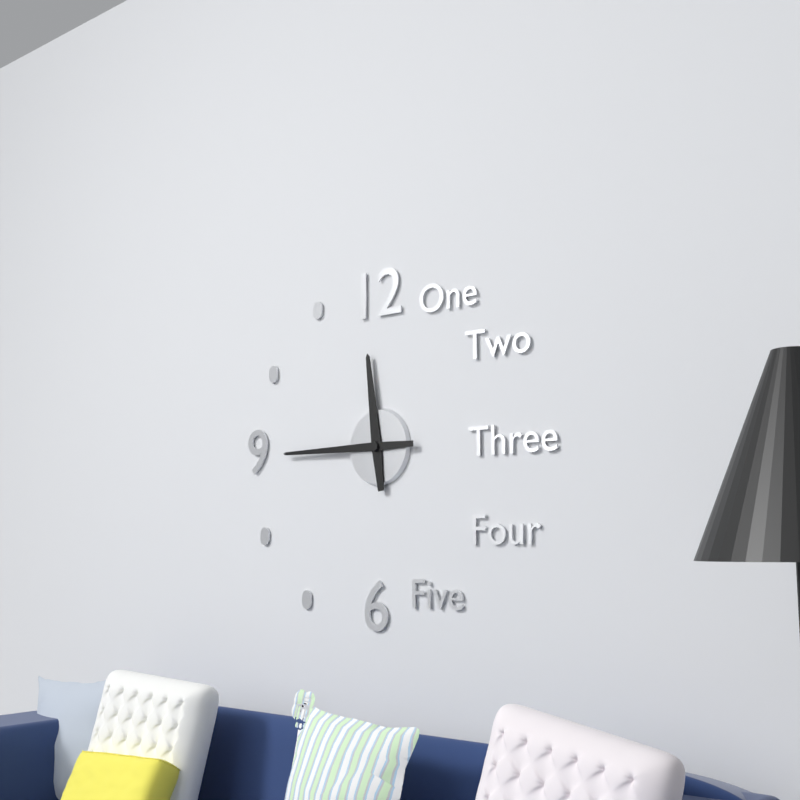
h=11 m=45
